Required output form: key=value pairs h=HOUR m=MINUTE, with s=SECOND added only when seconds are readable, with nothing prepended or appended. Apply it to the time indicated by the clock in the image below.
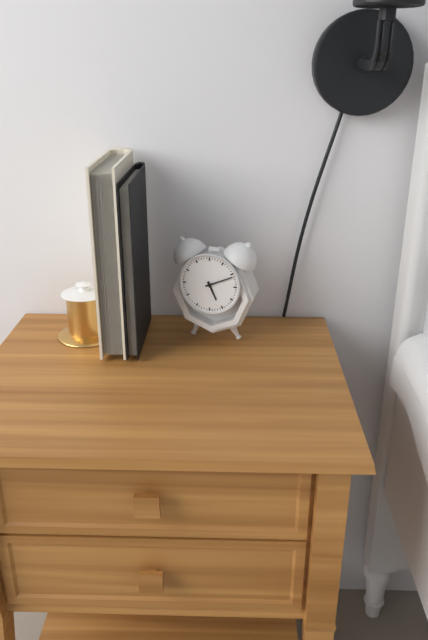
h=5 m=11
